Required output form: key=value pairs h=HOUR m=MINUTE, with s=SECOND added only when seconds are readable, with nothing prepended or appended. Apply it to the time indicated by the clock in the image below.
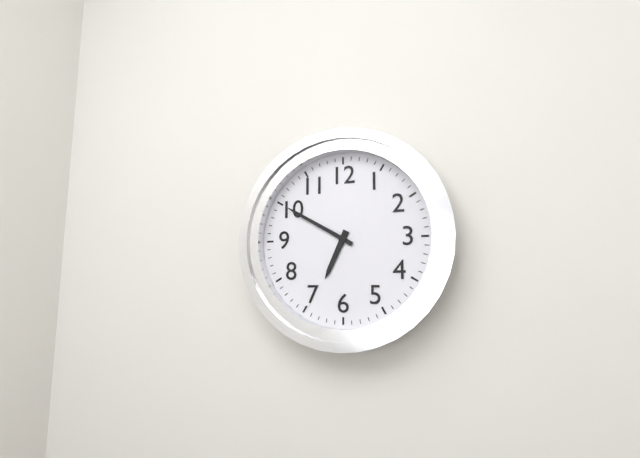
h=6 m=50
